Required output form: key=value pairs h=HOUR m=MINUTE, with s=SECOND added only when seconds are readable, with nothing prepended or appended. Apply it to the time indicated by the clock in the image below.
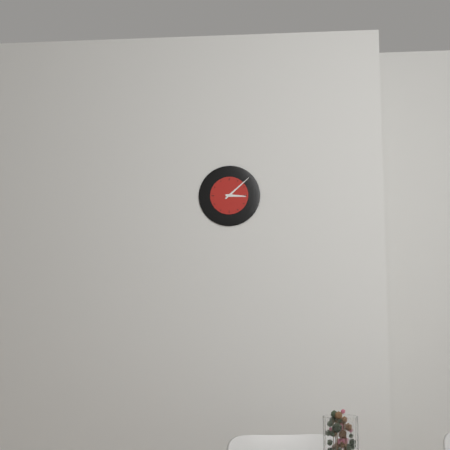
h=3 m=8
